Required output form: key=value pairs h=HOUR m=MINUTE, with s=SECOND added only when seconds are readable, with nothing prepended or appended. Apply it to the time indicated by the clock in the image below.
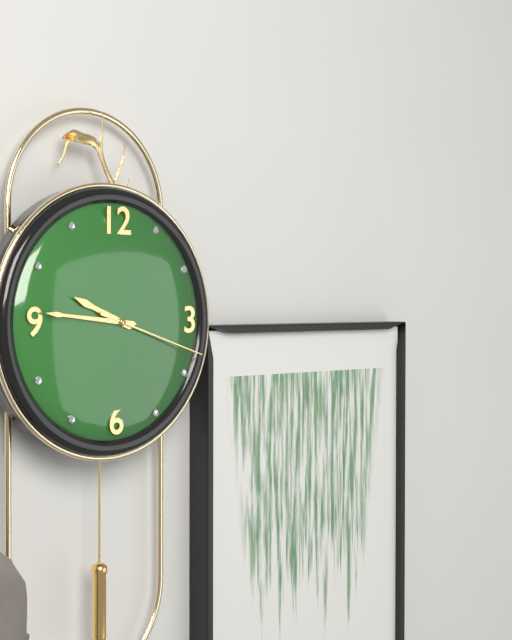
h=9 m=46 s=18
